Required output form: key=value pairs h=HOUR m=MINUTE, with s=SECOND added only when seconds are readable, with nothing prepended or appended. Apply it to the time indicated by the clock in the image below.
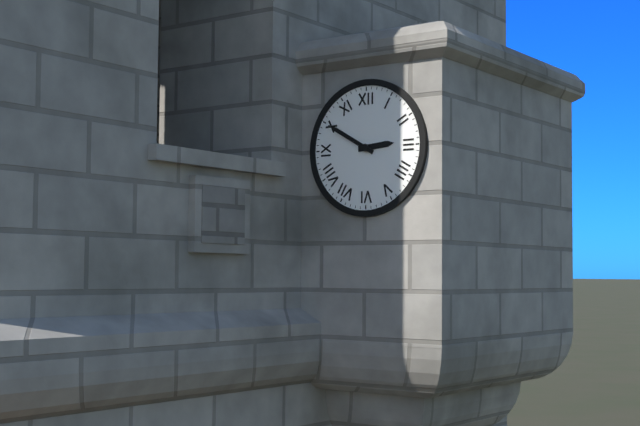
h=2 m=50
